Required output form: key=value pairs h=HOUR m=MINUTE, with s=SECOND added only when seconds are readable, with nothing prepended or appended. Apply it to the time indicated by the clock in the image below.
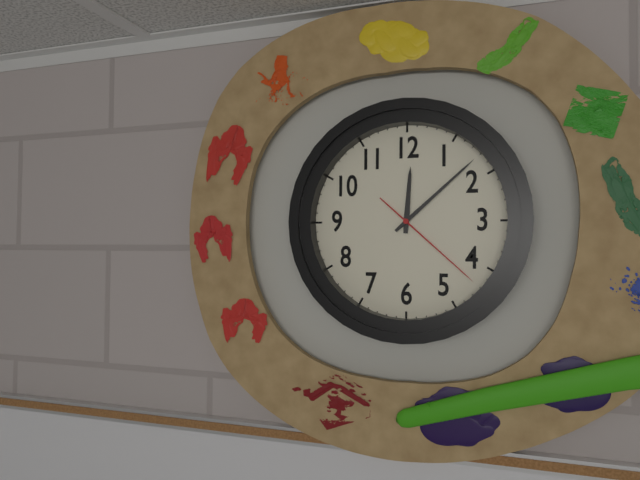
h=12 m=8 s=22
